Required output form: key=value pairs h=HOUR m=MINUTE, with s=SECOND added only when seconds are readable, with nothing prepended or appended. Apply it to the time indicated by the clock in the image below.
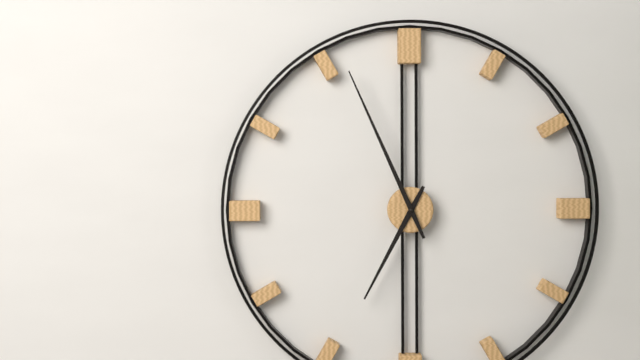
h=6 m=56
